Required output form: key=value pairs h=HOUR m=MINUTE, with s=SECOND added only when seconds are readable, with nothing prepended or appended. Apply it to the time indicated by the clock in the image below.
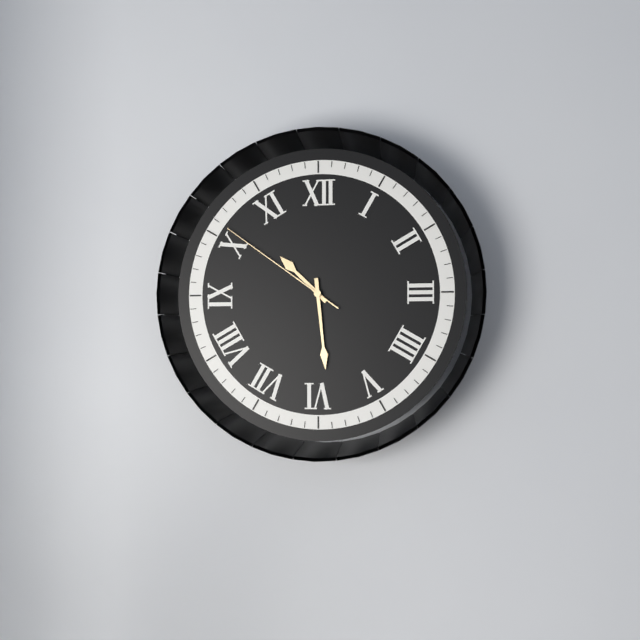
h=10 m=29 s=51
